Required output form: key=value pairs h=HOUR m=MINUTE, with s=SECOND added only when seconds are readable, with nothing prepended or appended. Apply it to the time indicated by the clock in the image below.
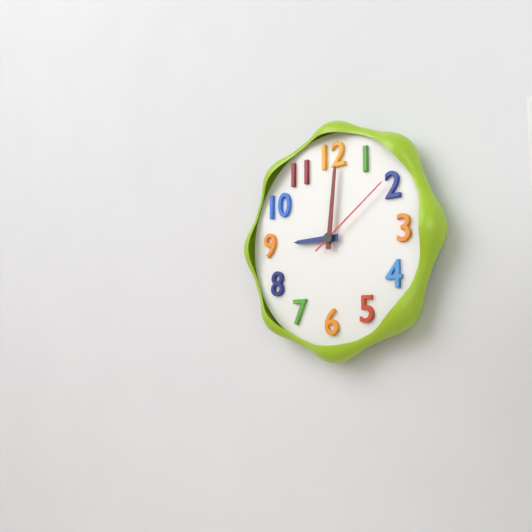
h=9 m=1 s=9
